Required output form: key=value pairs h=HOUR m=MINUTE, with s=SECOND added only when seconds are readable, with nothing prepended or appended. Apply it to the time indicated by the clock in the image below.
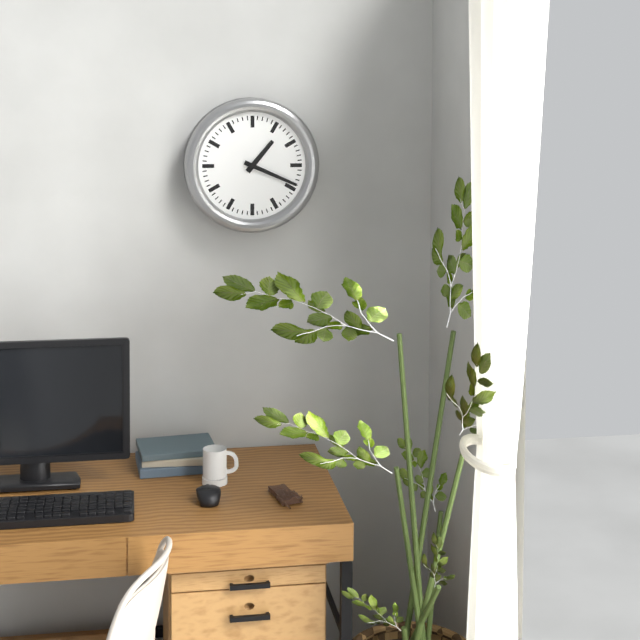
h=1 m=19
